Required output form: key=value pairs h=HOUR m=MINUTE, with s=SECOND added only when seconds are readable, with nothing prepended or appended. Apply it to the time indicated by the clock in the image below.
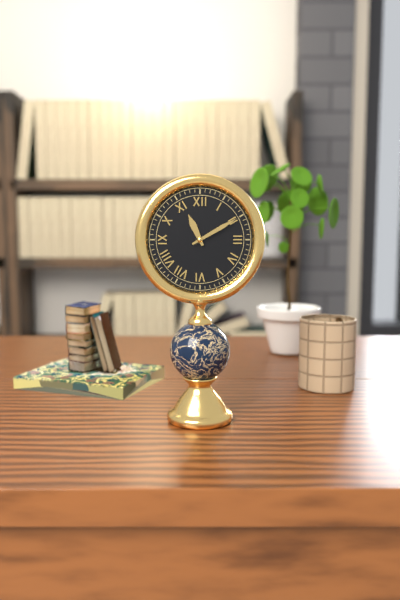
h=11 m=10
